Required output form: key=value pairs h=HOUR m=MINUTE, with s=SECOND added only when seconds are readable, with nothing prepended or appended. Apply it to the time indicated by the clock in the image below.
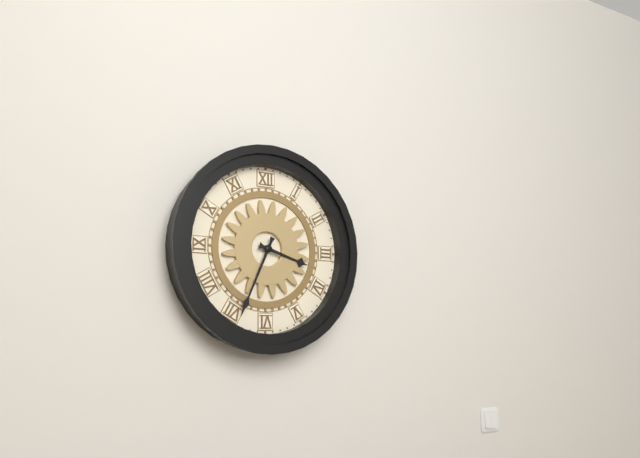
h=3 m=34
